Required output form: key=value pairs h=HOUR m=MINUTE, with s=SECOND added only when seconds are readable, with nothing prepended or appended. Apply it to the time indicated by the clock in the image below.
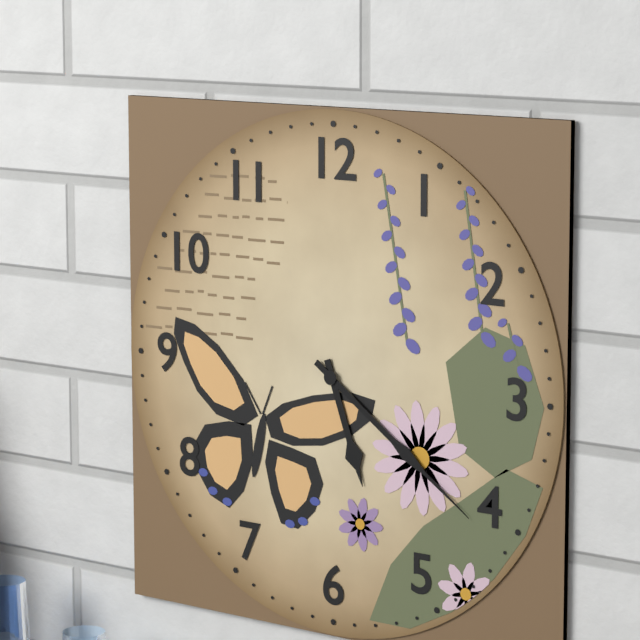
h=5 m=21
